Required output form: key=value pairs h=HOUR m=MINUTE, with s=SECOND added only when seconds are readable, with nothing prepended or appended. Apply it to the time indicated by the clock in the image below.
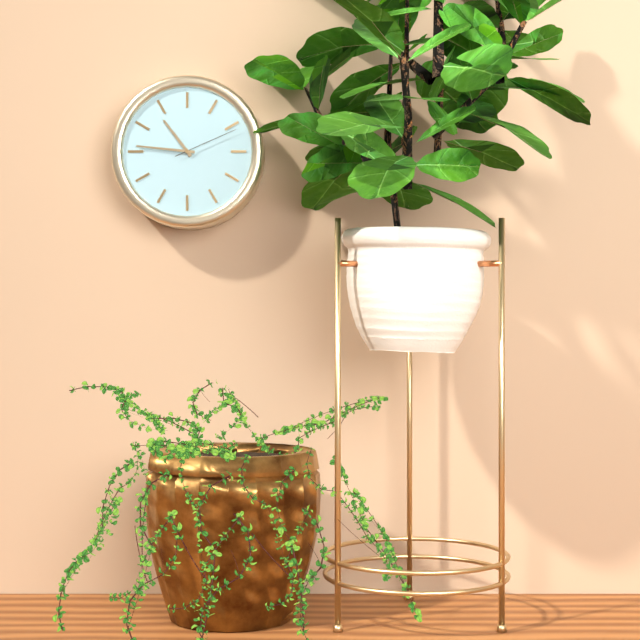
h=10 m=46 s=11
